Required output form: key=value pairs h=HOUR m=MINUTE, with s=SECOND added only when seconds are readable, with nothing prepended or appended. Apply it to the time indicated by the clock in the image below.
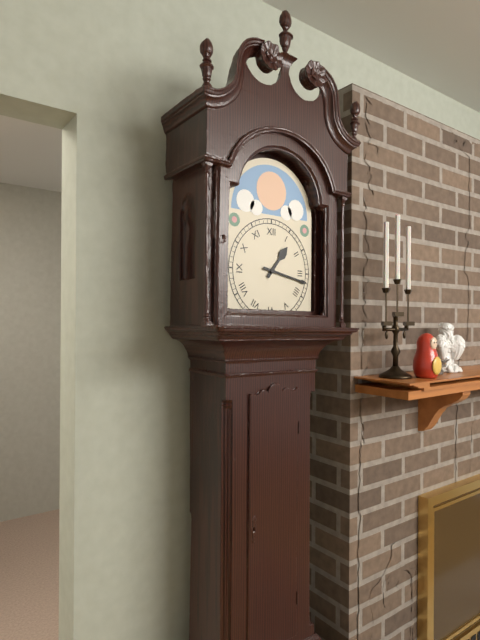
h=1 m=17
